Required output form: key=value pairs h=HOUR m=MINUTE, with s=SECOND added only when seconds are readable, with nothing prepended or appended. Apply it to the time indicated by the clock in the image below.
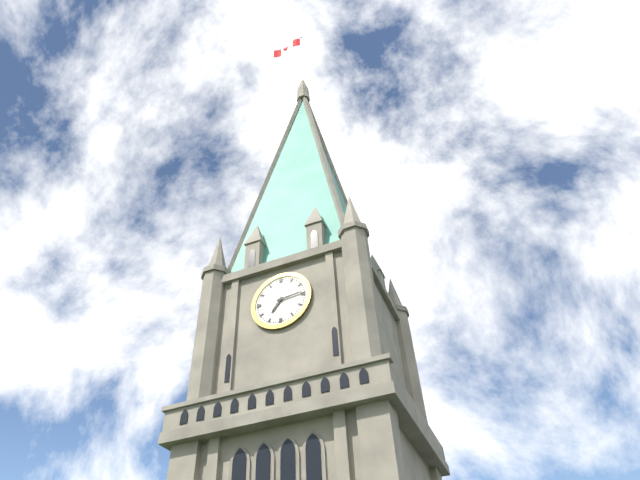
h=7 m=14
